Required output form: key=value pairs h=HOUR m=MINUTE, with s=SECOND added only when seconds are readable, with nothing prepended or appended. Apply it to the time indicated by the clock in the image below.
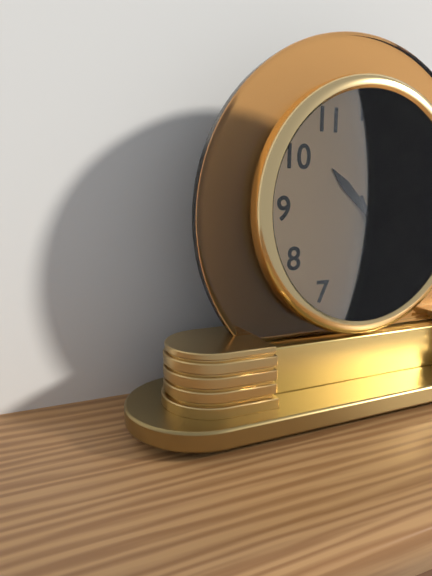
h=10 m=25
